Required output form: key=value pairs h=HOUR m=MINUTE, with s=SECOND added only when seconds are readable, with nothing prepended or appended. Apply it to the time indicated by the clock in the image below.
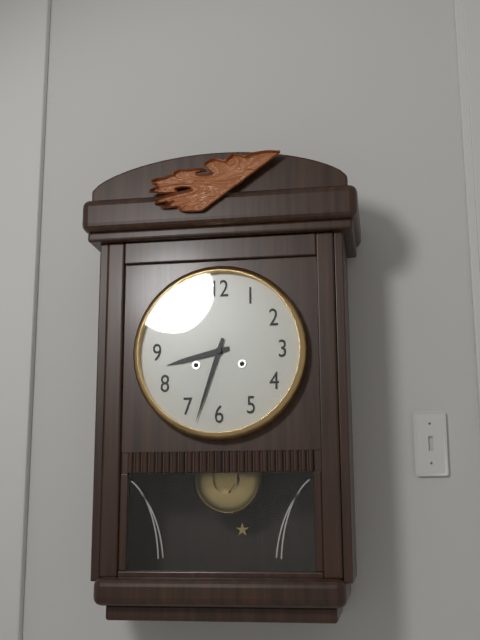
h=8 m=33
